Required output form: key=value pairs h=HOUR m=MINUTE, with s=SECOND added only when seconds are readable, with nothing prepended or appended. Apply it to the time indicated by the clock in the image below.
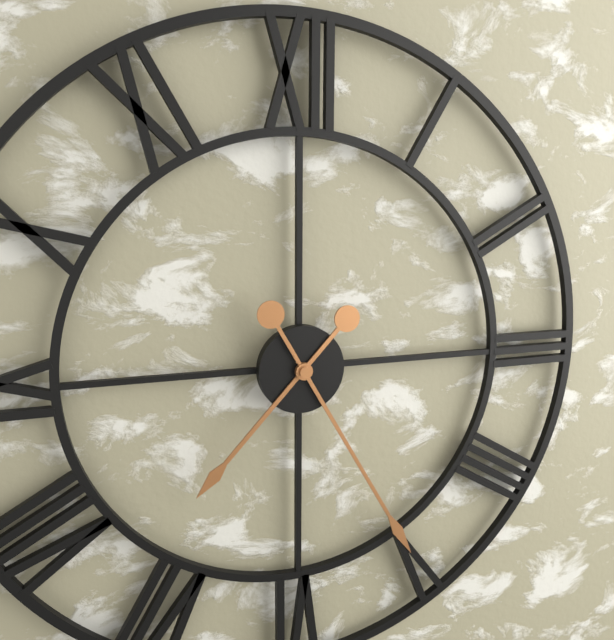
h=7 m=25
